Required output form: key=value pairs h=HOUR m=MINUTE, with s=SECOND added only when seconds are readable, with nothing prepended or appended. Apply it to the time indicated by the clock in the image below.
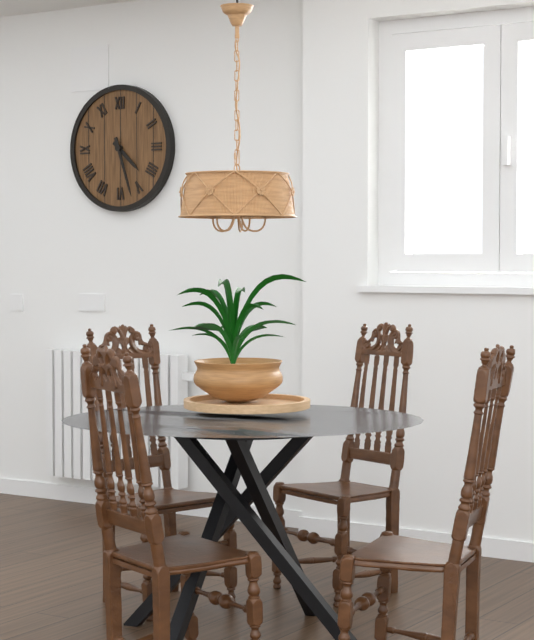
h=4 m=27
